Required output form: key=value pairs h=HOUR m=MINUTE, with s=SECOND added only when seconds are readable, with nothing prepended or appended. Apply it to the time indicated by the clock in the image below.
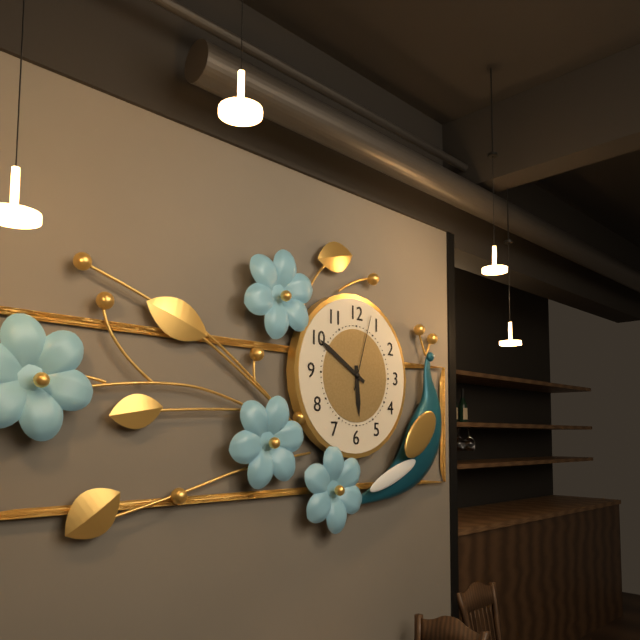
h=5 m=50 s=3
